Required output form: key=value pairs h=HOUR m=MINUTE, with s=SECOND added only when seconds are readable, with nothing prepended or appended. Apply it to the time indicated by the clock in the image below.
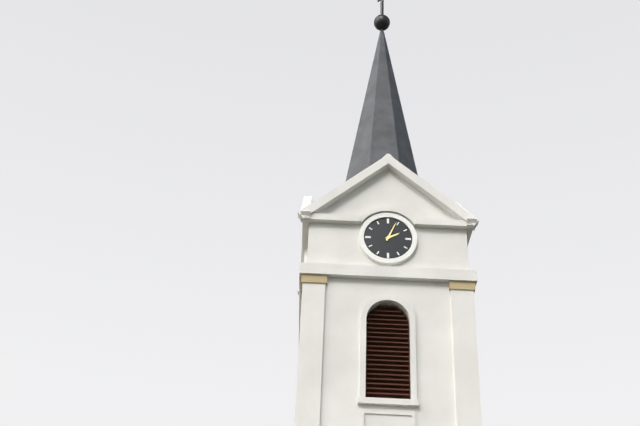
h=2 m=4
